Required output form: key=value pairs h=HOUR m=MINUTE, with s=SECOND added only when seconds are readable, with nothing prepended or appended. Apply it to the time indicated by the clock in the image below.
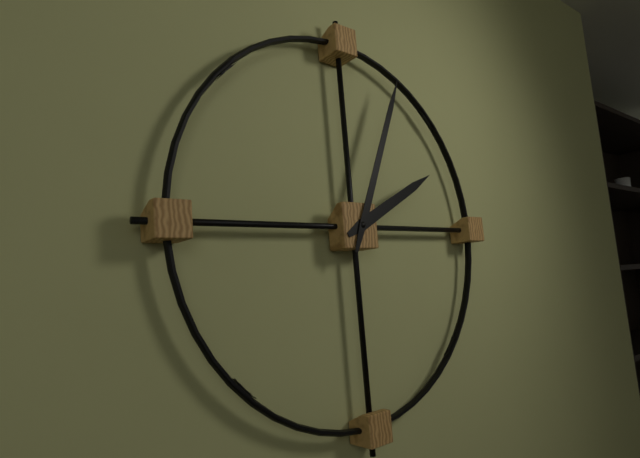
h=2 m=4
